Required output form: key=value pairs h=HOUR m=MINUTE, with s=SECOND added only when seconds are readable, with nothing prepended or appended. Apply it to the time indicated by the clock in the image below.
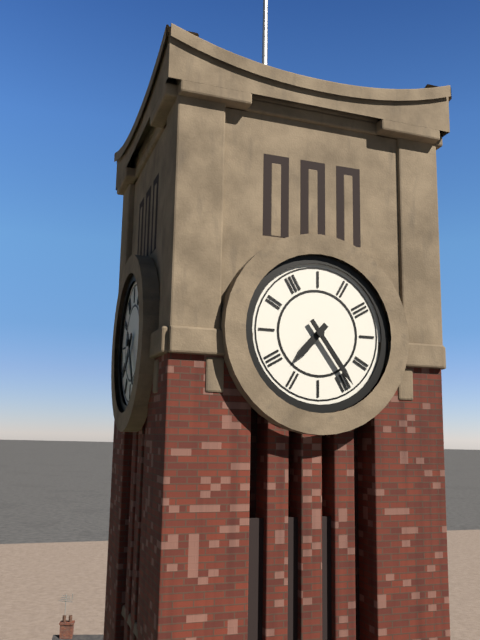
h=7 m=24
